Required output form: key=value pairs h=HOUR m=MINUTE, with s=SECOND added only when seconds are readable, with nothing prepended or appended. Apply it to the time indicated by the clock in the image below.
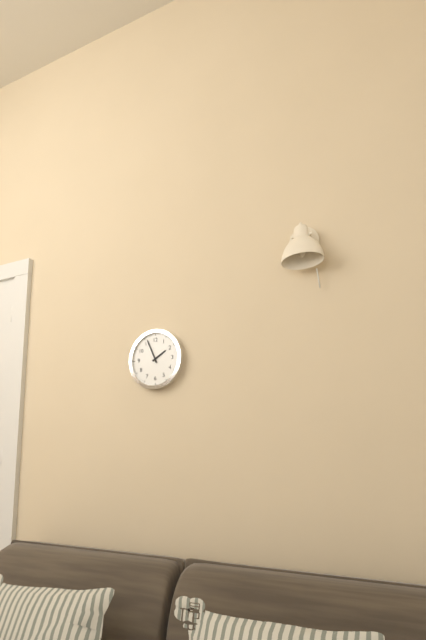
h=1 m=56
